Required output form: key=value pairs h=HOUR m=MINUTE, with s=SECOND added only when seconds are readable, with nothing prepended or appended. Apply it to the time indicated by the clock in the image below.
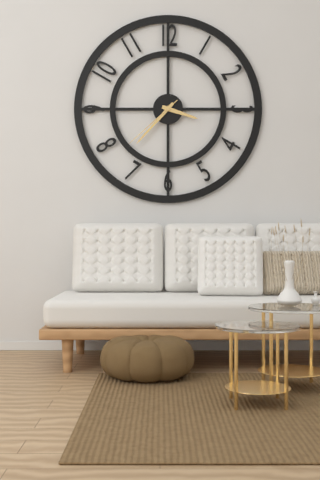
h=3 m=37 s=38
